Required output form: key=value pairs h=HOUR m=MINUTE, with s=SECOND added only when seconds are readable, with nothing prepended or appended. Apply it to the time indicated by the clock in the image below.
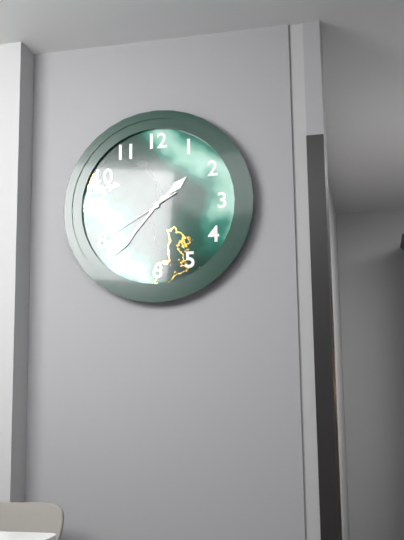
h=1 m=37 s=40
